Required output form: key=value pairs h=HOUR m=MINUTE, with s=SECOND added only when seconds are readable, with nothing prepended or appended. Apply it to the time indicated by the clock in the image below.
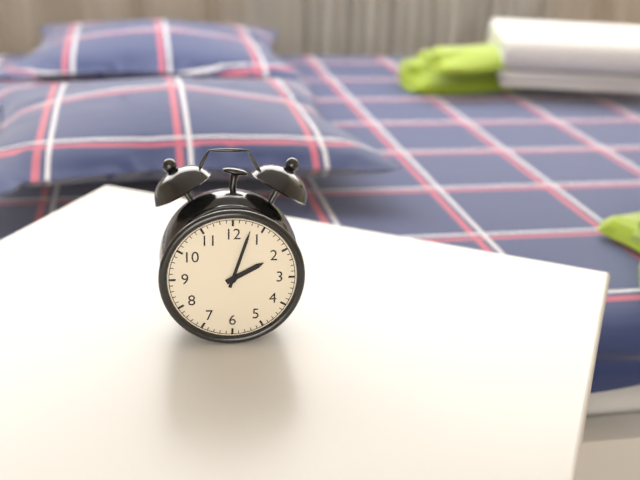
h=2 m=3
